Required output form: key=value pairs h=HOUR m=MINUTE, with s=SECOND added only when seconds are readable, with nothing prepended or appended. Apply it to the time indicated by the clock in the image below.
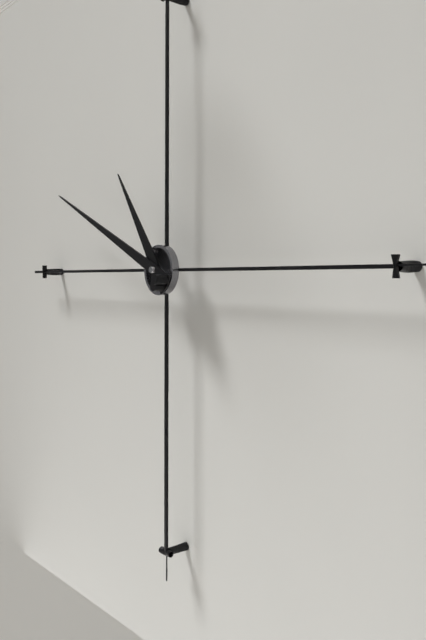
h=10 m=49
